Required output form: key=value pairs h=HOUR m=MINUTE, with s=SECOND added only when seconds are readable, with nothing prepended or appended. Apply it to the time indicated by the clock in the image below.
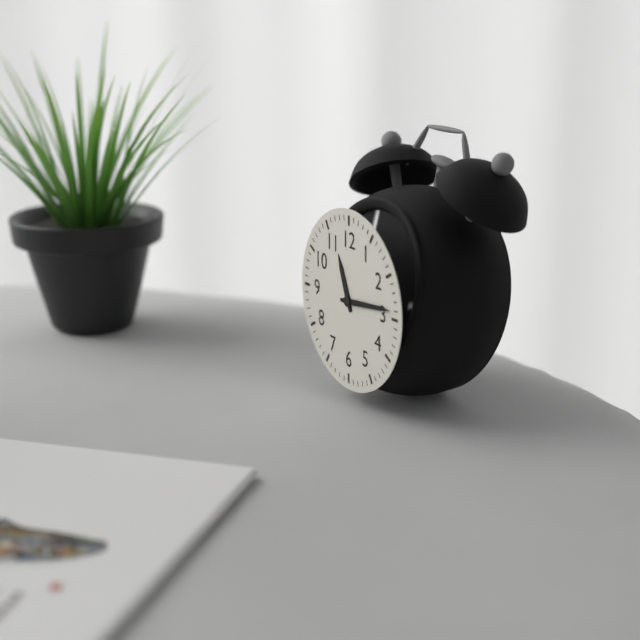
h=11 m=14
